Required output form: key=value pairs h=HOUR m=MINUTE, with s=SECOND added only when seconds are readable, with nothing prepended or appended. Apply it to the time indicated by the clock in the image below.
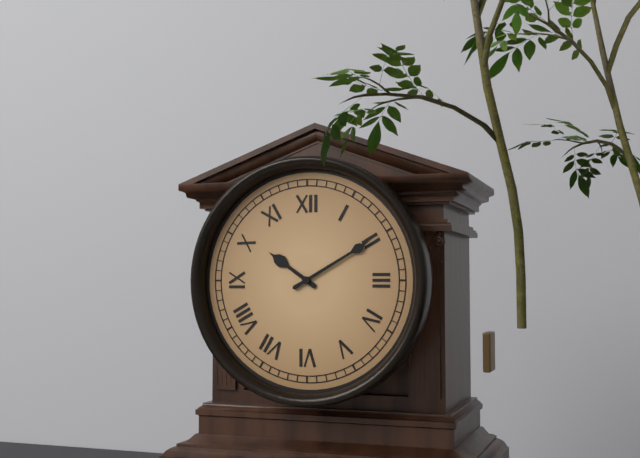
h=10 m=10
